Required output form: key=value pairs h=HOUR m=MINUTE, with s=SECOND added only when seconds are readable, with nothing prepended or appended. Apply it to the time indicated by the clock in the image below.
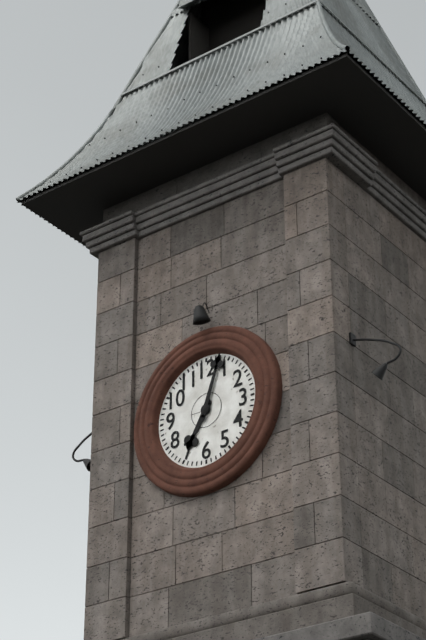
h=7 m=3
